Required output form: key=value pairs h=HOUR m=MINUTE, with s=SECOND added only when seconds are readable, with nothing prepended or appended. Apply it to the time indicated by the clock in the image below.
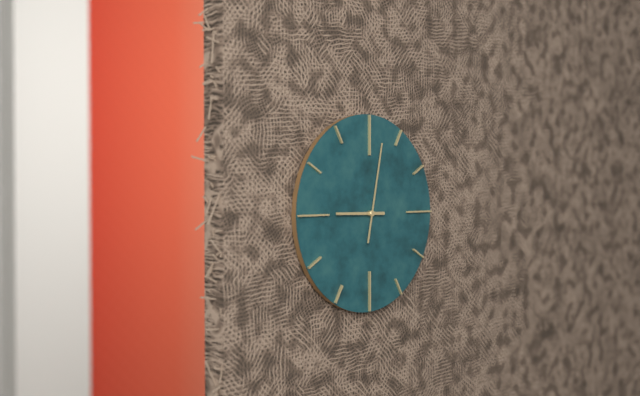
h=9 m=2
